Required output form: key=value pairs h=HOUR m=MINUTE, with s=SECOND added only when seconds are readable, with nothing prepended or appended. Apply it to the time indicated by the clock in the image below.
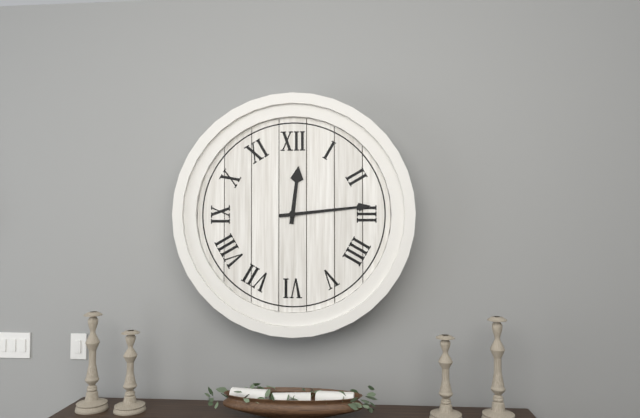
h=12 m=14
